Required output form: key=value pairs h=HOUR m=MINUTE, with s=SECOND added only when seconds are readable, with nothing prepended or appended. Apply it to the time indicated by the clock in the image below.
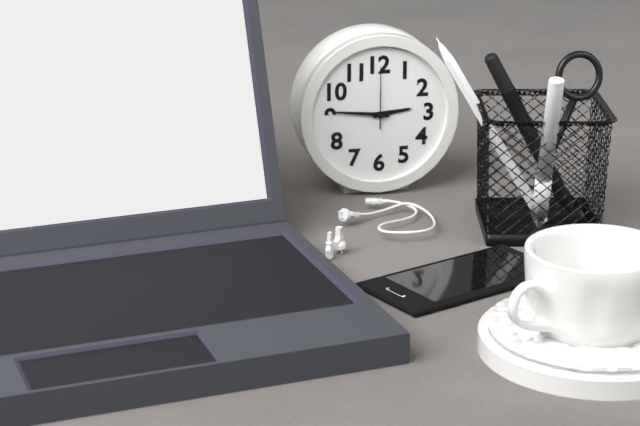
h=2 m=46 s=0
